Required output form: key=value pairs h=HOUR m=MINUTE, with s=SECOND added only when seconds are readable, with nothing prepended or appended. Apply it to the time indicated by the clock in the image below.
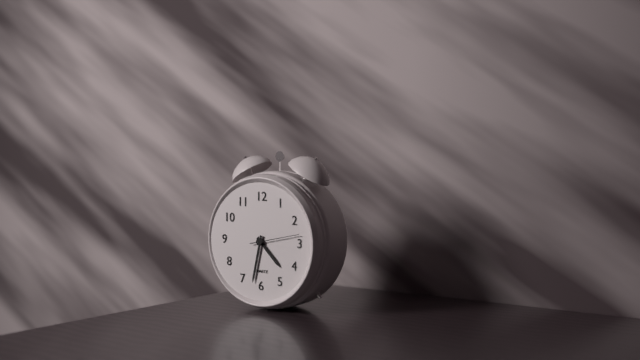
h=4 m=32
